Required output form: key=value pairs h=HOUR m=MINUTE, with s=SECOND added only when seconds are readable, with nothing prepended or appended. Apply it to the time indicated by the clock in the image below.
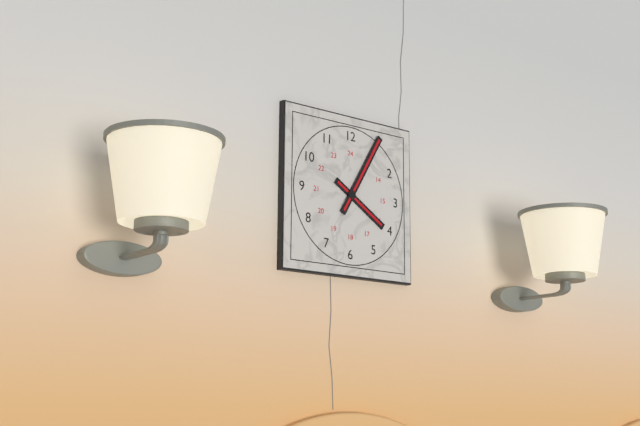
h=4 m=5
